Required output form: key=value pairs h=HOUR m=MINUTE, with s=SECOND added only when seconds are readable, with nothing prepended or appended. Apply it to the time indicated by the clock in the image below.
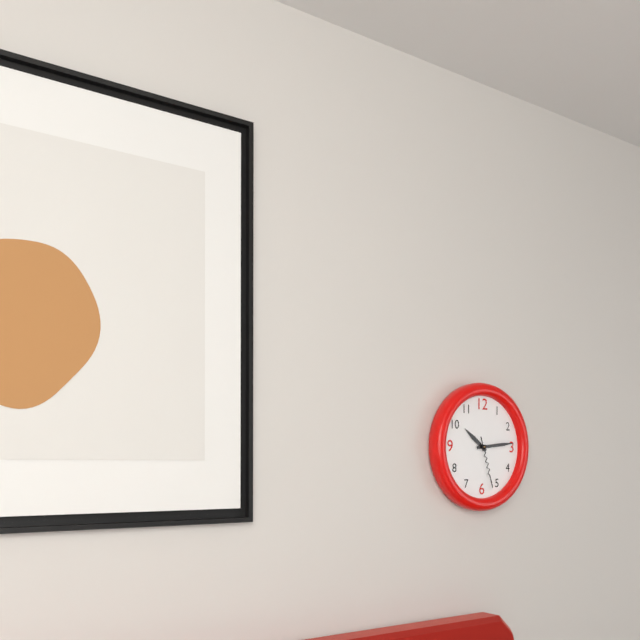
h=10 m=14 s=27
